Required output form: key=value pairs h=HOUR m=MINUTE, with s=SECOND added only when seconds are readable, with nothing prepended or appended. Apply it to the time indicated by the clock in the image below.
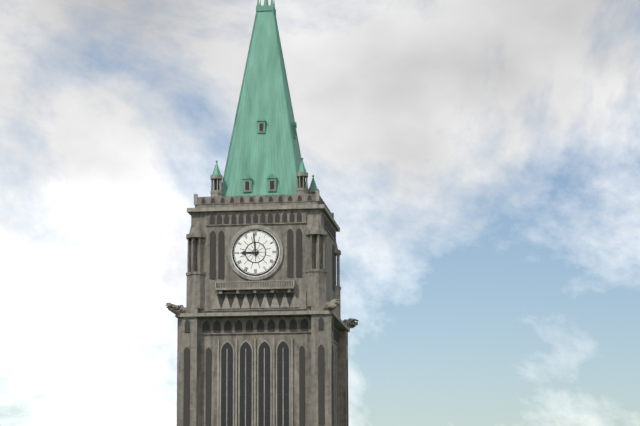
h=8 m=59
